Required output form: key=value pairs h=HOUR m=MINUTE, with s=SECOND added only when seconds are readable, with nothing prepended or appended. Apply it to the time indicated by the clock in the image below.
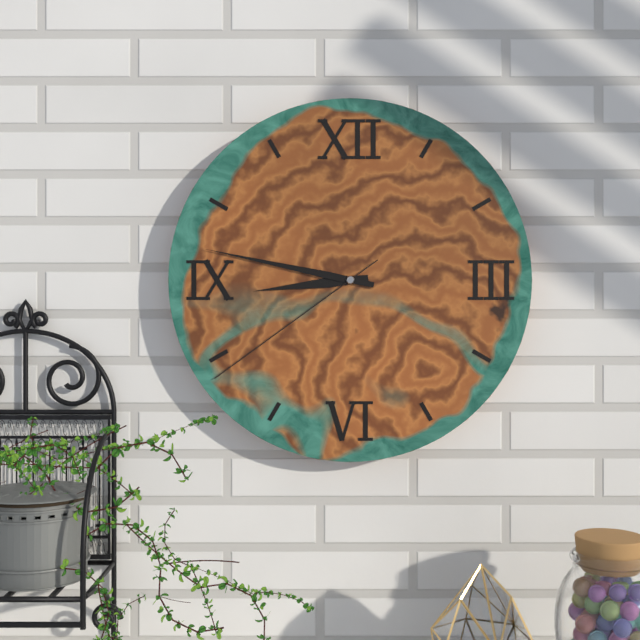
h=8 m=47 s=39
